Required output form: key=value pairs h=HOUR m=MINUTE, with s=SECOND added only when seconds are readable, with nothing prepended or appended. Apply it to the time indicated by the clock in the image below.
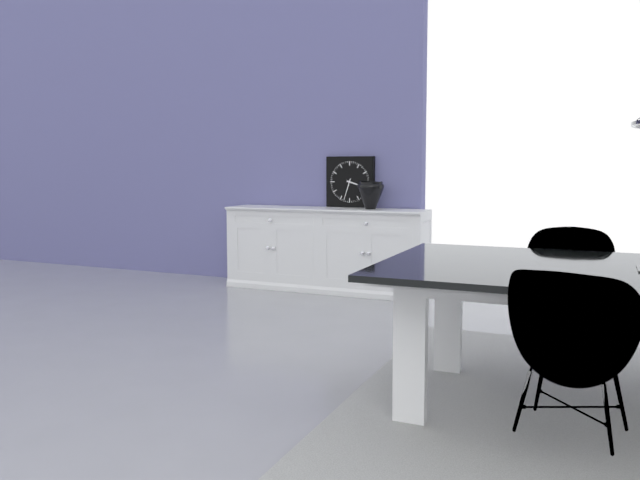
h=3 m=33
